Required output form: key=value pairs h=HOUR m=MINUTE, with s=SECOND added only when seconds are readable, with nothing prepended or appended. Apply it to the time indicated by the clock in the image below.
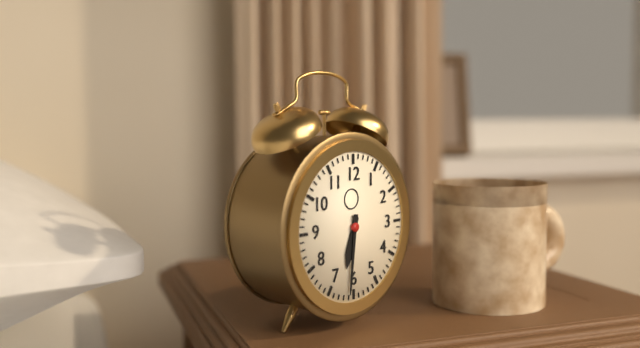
h=6 m=31
